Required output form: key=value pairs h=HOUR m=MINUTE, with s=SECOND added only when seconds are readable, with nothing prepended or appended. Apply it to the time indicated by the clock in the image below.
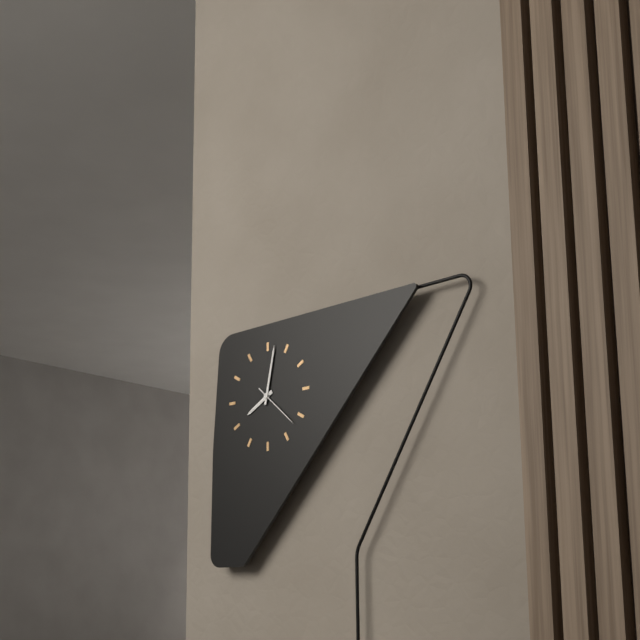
h=8 m=2
